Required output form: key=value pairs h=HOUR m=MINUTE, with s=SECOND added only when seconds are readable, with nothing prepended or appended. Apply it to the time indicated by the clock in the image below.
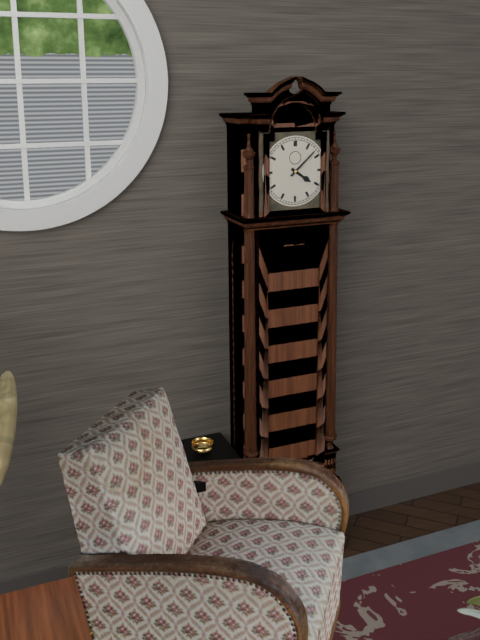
h=4 m=8
